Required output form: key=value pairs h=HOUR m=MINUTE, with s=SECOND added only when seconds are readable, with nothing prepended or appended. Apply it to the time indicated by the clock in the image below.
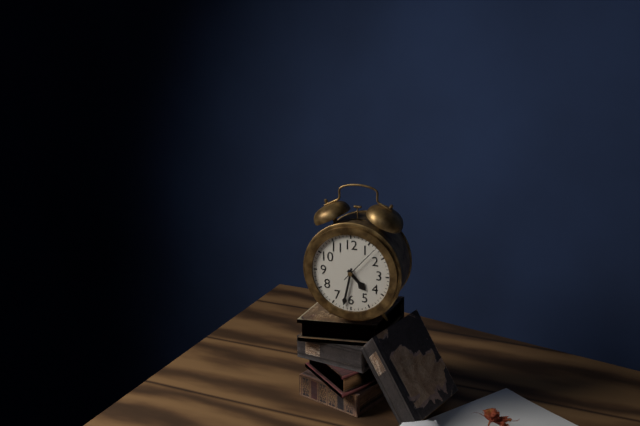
h=4 m=32
